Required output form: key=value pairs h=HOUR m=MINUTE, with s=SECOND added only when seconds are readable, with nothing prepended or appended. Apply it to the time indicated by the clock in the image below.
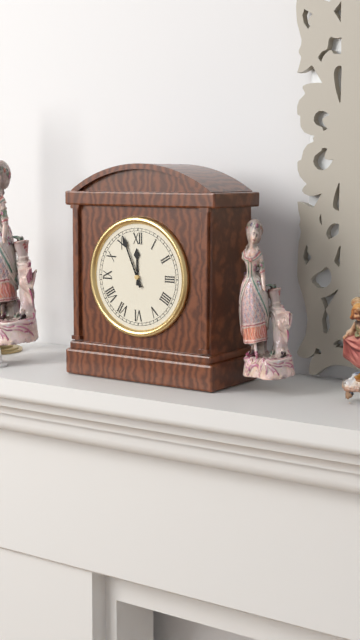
h=11 m=56
